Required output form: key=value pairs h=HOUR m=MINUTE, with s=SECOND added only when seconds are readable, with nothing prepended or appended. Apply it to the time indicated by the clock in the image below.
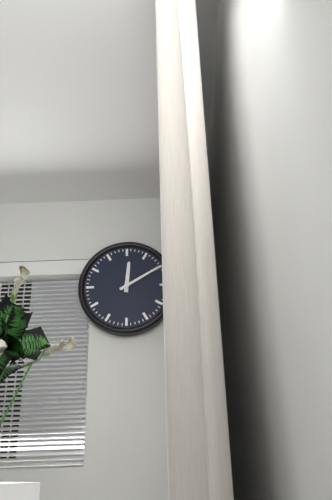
h=12 m=10
